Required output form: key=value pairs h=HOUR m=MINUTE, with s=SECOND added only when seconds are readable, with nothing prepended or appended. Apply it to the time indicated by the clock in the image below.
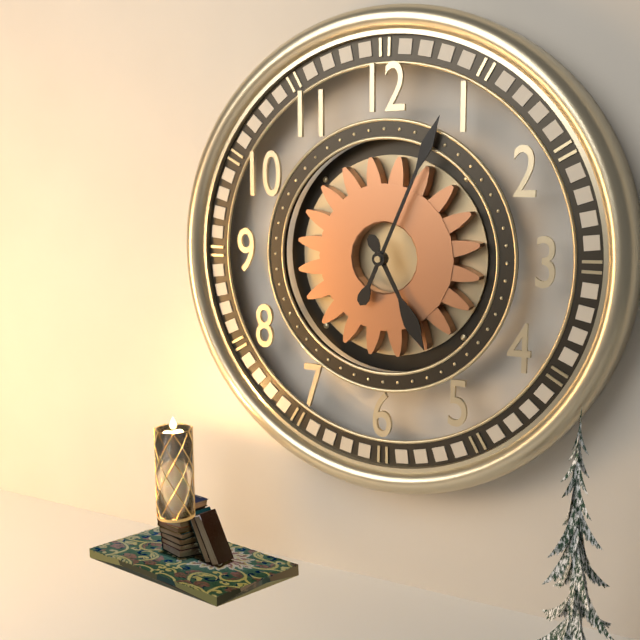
h=5 m=4
